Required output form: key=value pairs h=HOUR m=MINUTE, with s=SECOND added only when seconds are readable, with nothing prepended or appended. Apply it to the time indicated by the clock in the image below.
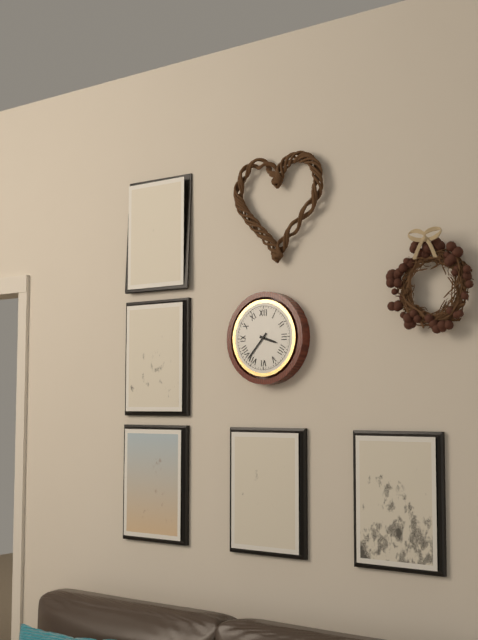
h=3 m=37
